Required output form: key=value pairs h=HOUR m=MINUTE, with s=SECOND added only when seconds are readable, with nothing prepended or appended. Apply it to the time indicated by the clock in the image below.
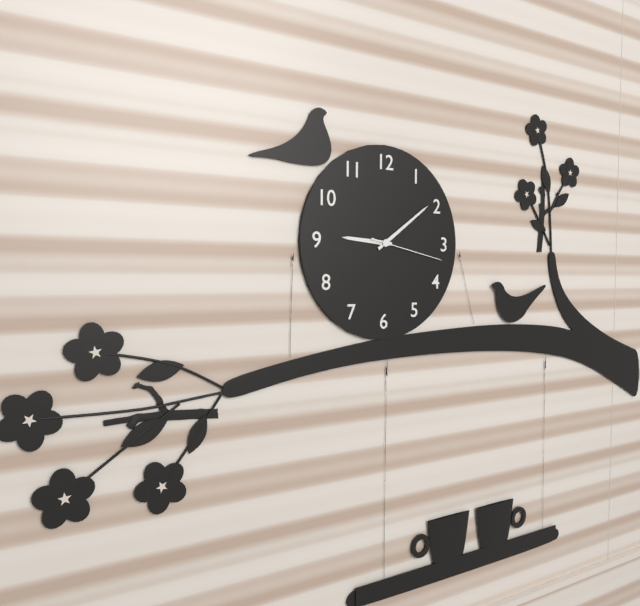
h=9 m=9 s=17
